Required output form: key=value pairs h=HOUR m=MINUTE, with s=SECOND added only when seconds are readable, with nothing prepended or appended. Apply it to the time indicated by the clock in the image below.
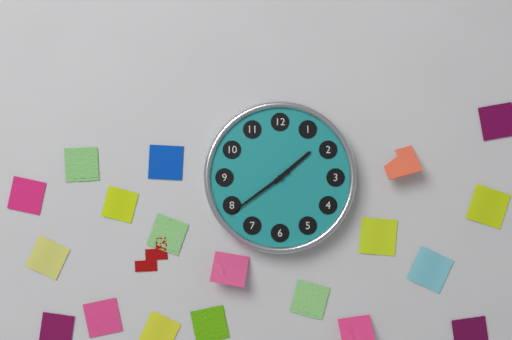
h=1 m=39
